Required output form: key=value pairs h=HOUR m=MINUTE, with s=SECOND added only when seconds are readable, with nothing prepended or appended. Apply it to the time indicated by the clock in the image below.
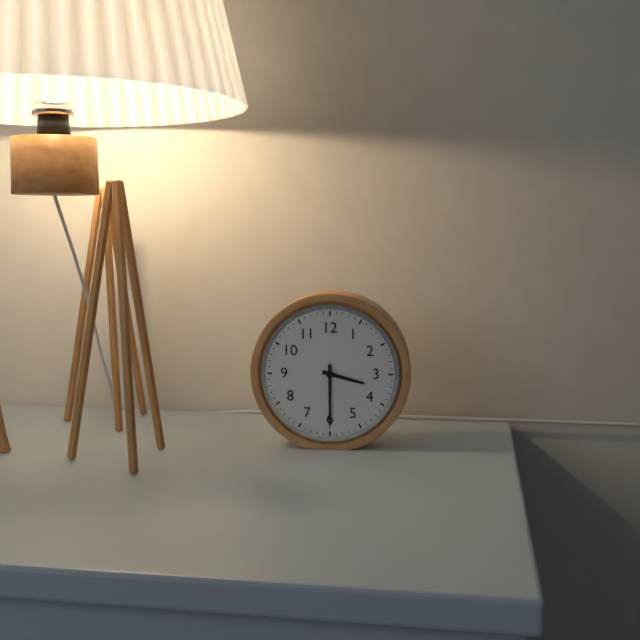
h=3 m=30
